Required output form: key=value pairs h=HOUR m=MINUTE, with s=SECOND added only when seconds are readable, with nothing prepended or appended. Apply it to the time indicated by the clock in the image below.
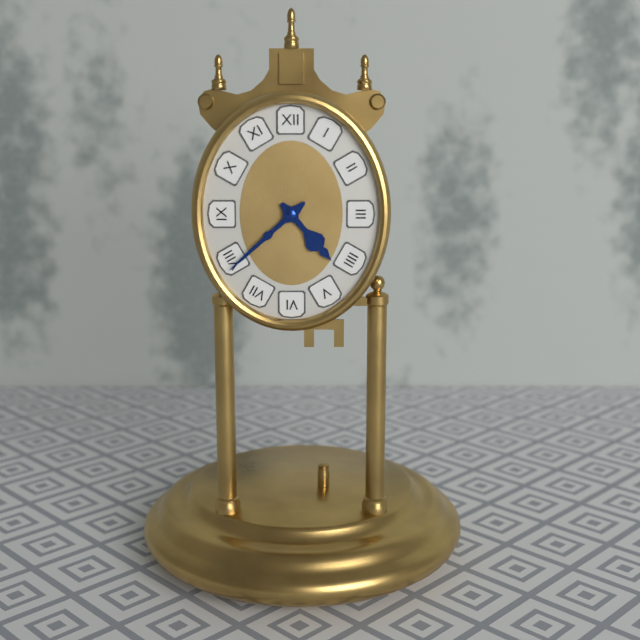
h=4 m=38
